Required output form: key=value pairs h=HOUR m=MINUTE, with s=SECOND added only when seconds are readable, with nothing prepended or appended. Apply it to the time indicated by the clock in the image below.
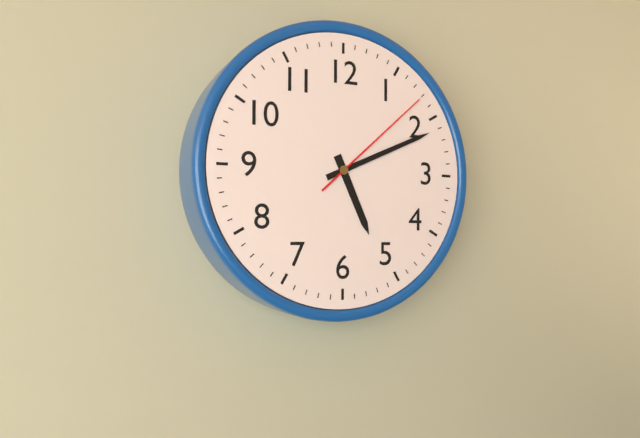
h=5 m=11 s=8
